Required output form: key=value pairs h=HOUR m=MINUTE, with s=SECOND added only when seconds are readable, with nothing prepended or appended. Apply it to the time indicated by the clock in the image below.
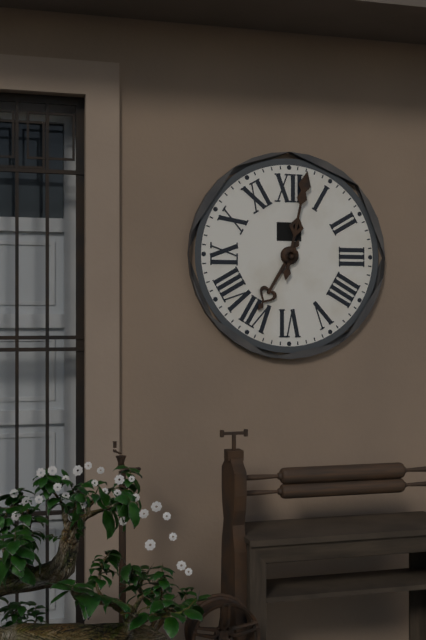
h=7 m=2
